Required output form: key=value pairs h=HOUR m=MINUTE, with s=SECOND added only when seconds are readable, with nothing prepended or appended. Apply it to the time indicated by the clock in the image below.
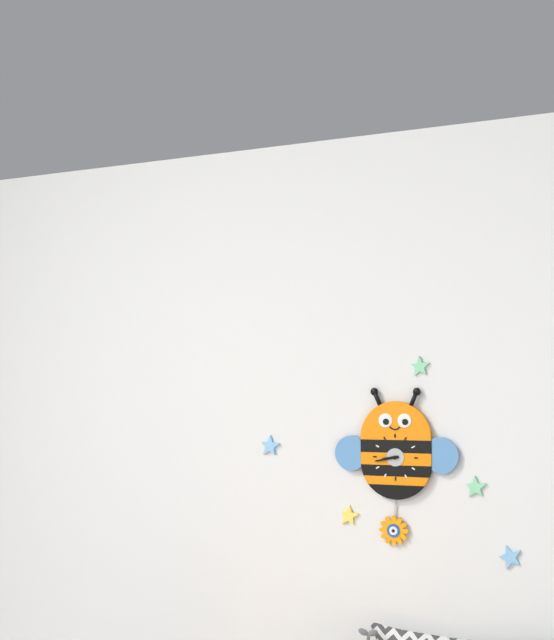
h=8 m=43
